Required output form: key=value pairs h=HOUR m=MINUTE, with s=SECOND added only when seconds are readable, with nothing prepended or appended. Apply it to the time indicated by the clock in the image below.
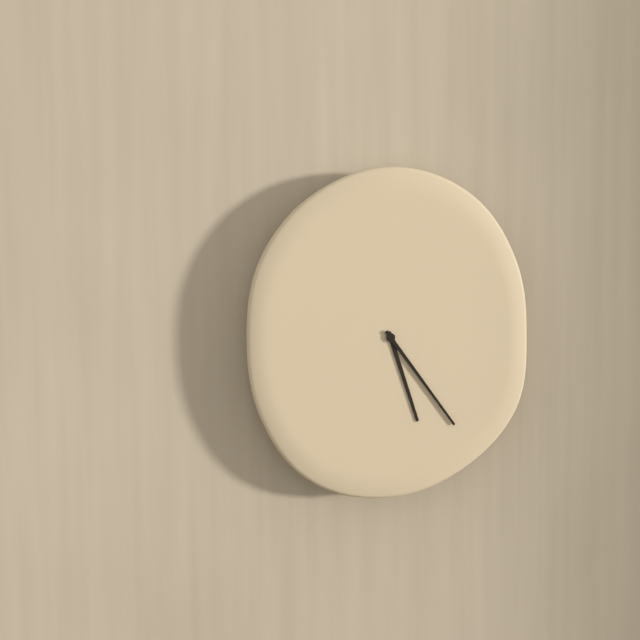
h=5 m=24
